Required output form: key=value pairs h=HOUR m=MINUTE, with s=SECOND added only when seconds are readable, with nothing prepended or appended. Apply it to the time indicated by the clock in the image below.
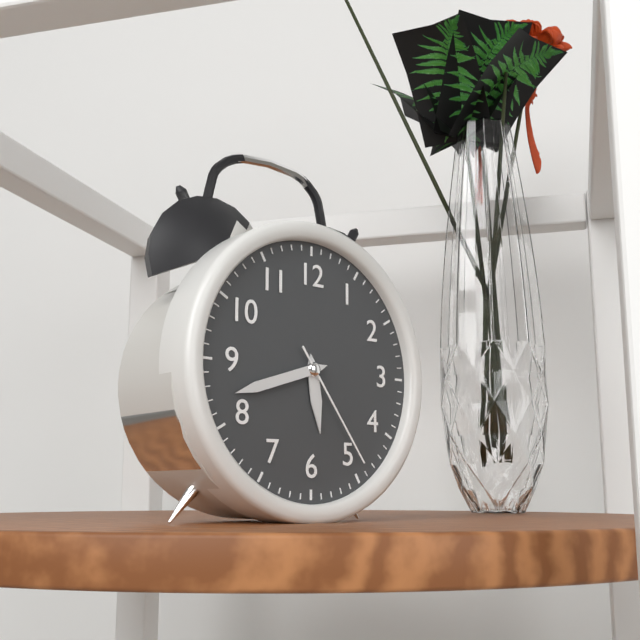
h=5 m=42 s=24
